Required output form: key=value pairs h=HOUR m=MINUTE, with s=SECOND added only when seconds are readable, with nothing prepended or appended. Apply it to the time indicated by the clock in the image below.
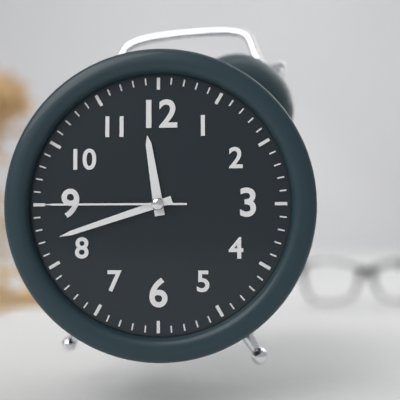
h=11 m=42 s=45
